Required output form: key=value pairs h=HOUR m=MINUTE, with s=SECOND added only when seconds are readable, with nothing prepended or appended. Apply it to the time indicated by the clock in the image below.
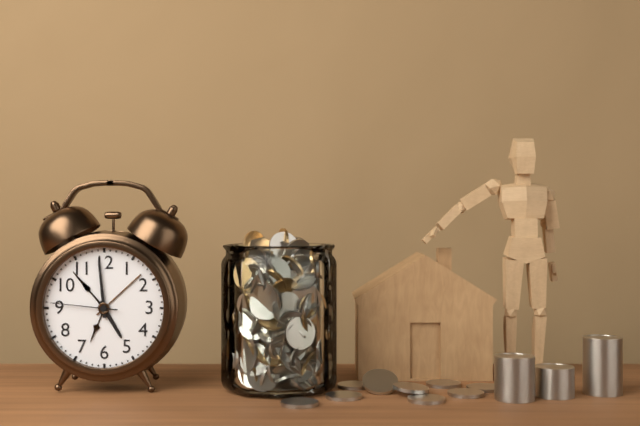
h=4 m=59 s=46
